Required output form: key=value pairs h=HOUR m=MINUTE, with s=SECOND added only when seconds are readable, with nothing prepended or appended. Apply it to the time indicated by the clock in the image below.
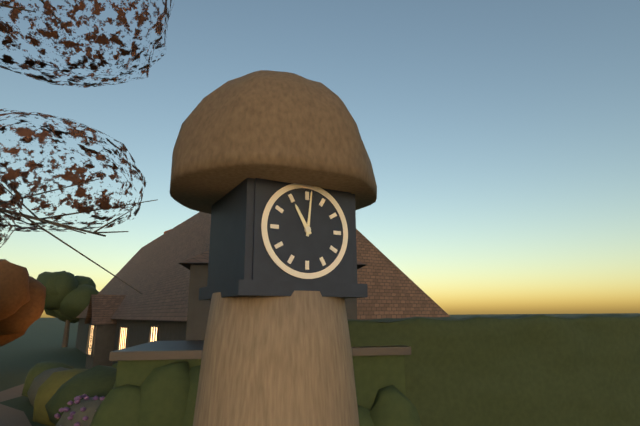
h=11 m=1
